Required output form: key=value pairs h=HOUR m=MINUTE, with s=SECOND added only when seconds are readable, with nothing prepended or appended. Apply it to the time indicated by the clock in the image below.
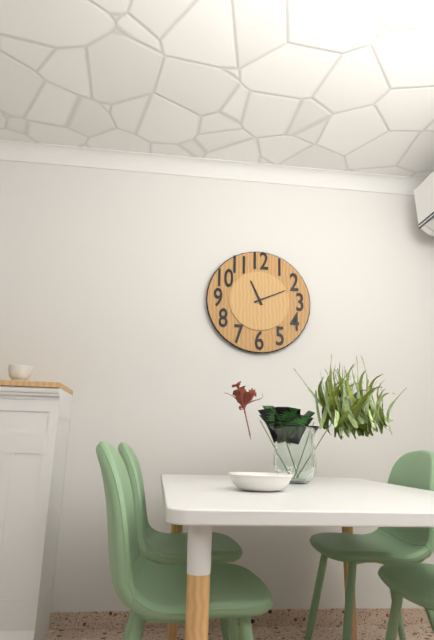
h=11 m=11
